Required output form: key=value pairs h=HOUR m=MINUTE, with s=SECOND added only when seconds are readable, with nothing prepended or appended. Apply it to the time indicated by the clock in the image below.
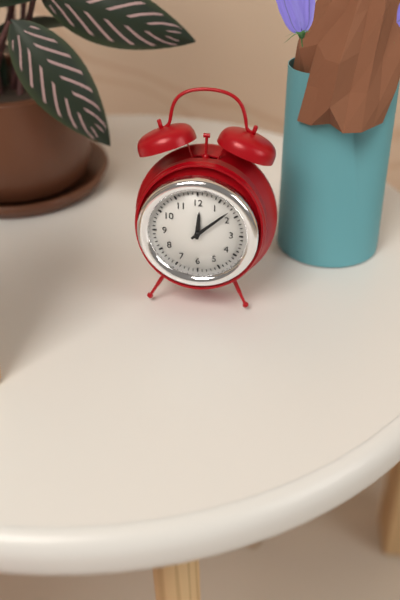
h=12 m=8
